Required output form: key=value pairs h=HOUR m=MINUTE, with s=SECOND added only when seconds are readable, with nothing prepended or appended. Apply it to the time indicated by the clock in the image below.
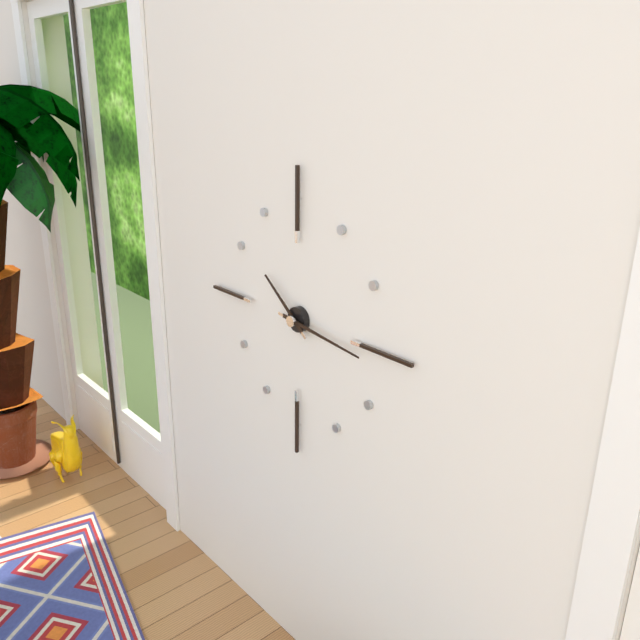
h=10 m=16
